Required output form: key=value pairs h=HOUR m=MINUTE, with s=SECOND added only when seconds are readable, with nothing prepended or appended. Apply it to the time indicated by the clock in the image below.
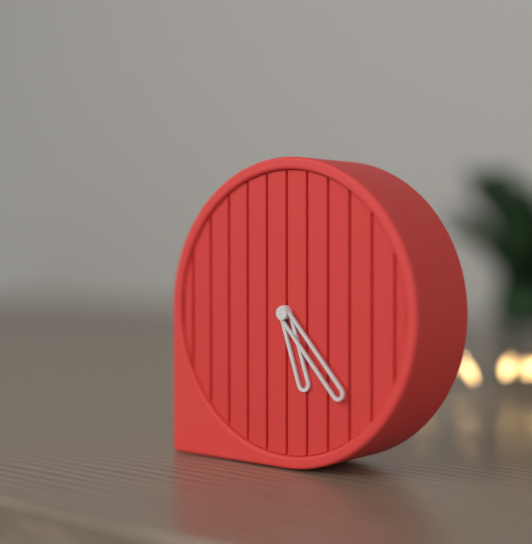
h=5 m=23
